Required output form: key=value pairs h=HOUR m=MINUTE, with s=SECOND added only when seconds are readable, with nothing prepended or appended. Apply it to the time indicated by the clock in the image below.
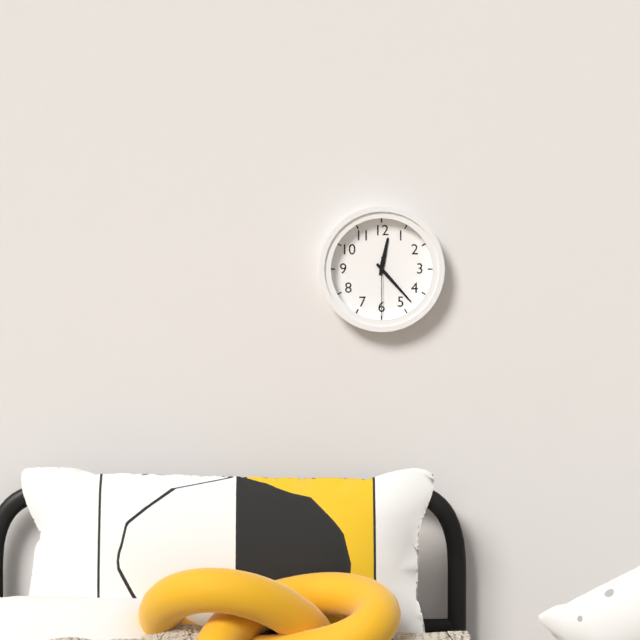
h=12 m=23 s=30
